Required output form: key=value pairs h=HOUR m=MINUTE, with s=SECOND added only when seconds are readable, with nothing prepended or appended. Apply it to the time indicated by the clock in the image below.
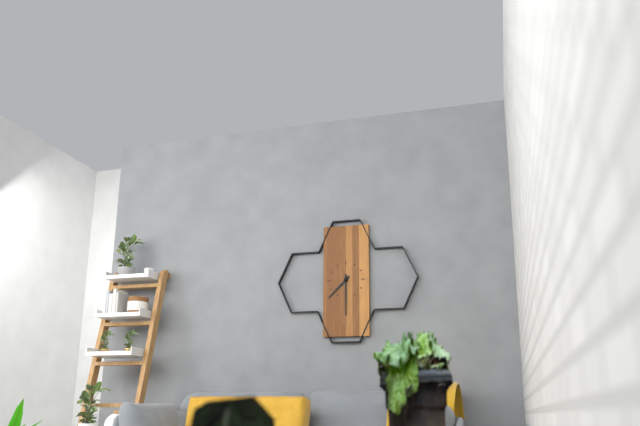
h=7 m=30
